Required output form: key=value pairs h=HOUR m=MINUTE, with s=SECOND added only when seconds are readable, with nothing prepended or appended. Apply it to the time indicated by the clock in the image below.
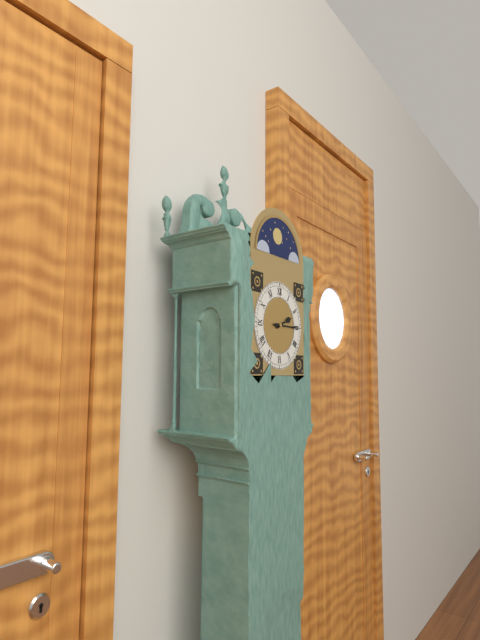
h=2 m=15
